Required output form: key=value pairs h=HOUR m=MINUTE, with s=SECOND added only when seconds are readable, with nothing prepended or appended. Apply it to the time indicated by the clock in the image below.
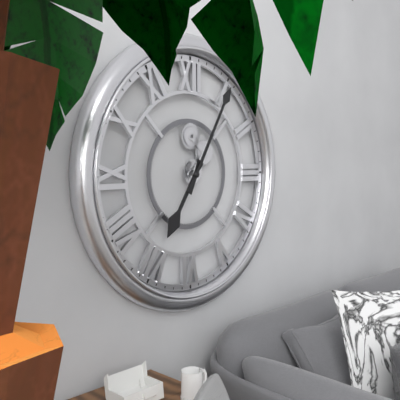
h=7 m=5
